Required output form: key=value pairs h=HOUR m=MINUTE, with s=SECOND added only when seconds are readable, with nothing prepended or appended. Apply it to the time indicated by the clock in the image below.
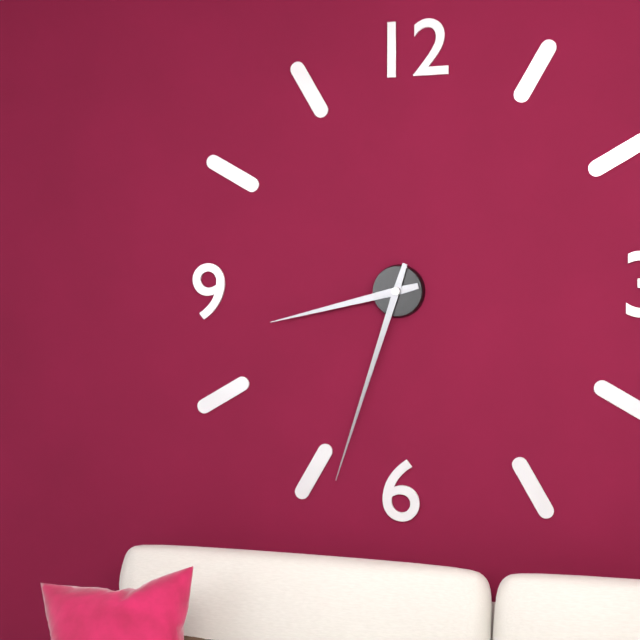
h=8 m=33
